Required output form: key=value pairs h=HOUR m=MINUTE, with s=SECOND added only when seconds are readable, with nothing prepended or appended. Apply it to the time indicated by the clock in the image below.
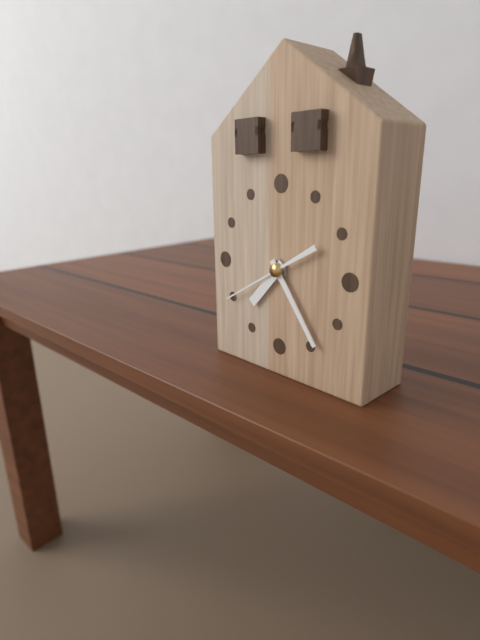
h=7 m=24 s=40
